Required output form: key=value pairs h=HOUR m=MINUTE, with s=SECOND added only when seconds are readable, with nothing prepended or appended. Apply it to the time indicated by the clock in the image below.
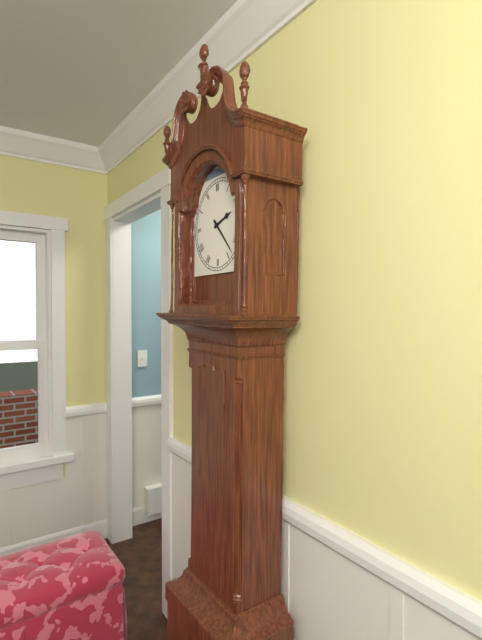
h=2 m=23
